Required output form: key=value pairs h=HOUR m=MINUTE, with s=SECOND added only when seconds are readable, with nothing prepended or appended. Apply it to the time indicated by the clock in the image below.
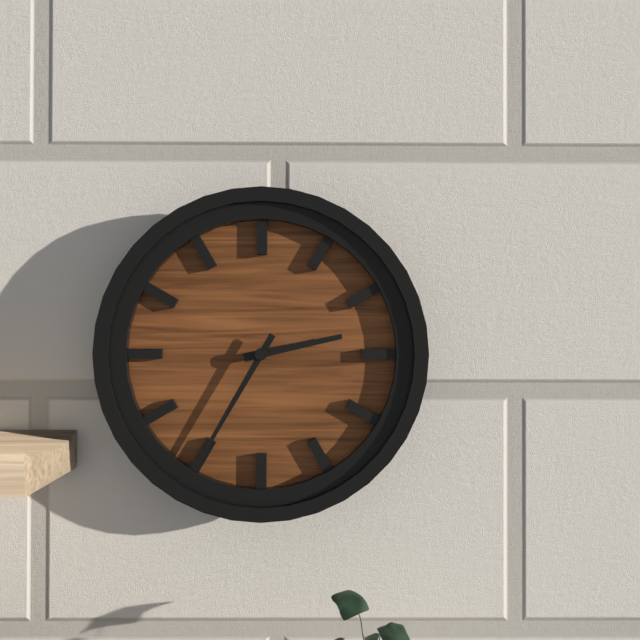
h=2 m=35
